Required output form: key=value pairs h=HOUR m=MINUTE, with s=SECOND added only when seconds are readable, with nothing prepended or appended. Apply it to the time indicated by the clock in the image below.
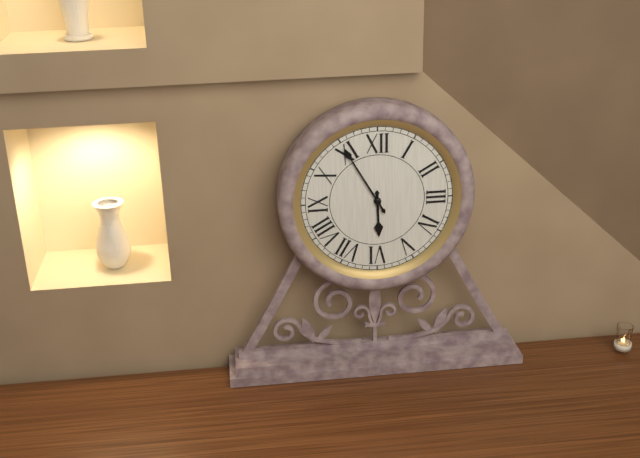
h=5 m=55
